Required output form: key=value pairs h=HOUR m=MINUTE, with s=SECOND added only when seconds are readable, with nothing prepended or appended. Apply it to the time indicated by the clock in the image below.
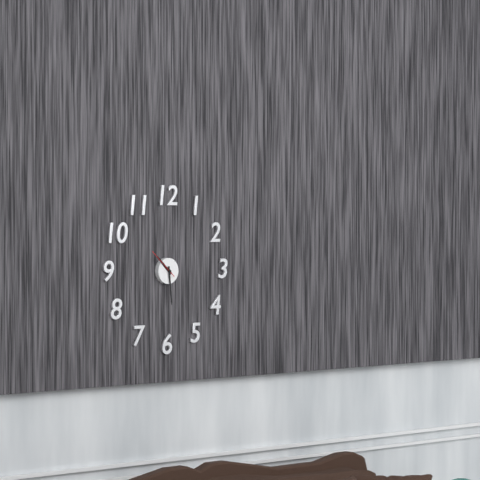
h=10 m=29
